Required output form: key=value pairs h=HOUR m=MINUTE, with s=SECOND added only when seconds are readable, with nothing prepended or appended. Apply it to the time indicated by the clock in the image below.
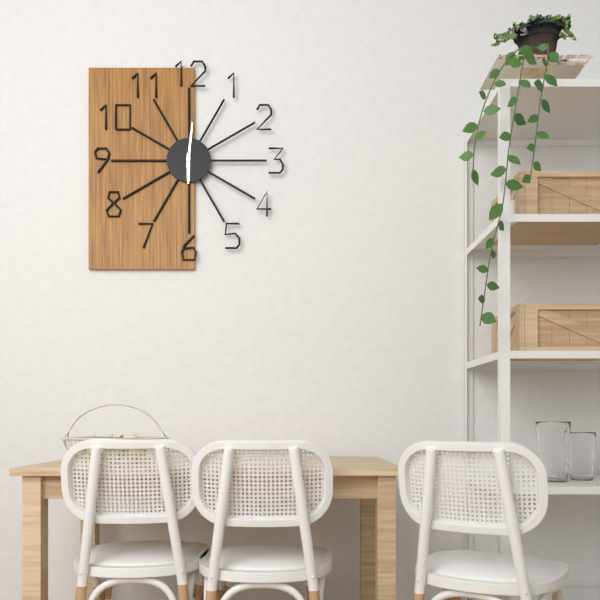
h=6 m=1
